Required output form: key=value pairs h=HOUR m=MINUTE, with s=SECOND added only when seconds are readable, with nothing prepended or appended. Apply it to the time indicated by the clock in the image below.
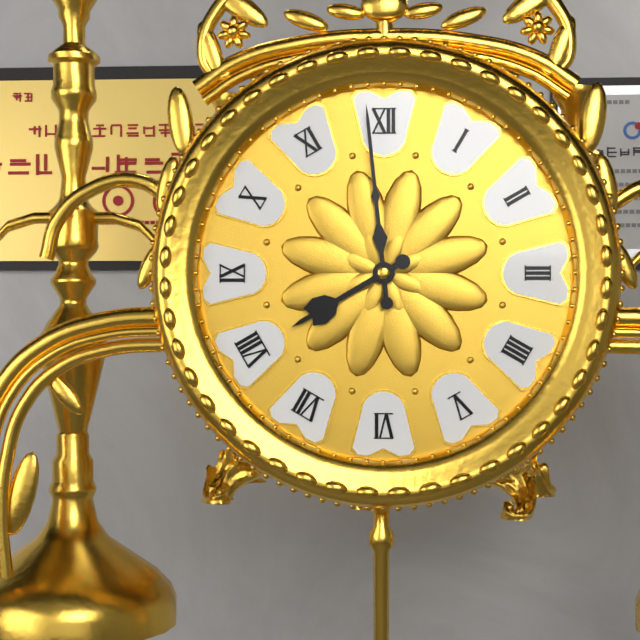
h=7 m=59
